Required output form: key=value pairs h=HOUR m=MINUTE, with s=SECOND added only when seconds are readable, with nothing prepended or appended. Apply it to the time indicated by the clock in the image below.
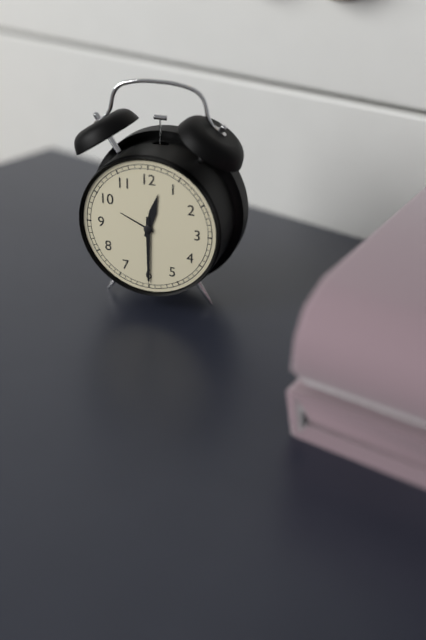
h=12 m=30
